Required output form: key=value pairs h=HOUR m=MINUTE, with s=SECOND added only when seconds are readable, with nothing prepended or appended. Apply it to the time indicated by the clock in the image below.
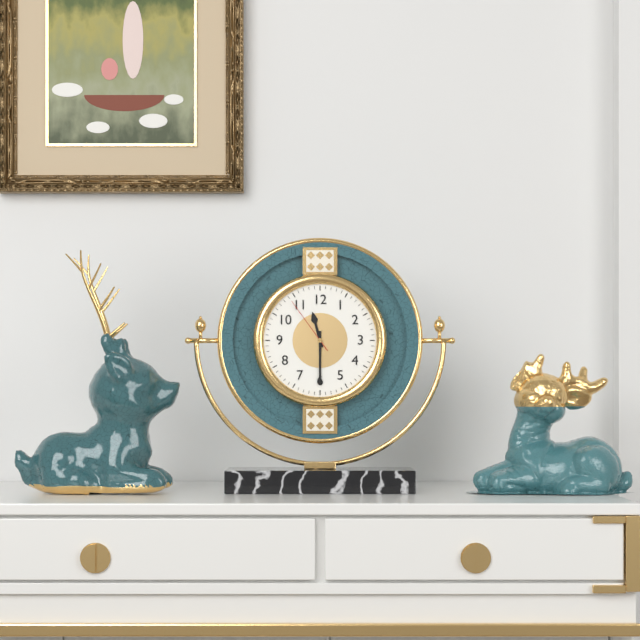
h=11 m=30 s=54
